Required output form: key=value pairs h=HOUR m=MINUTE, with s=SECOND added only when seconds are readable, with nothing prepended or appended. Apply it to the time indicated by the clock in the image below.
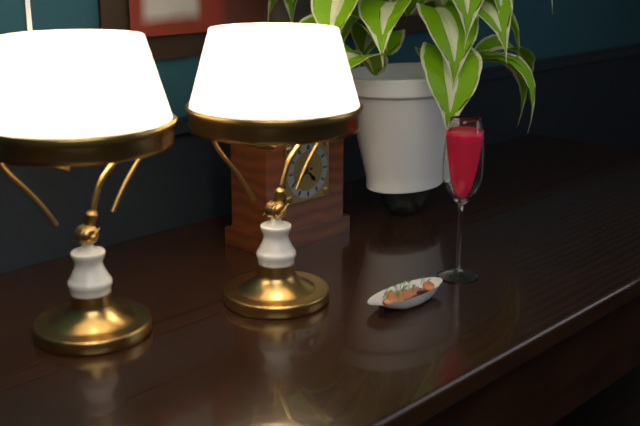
h=4 m=41
